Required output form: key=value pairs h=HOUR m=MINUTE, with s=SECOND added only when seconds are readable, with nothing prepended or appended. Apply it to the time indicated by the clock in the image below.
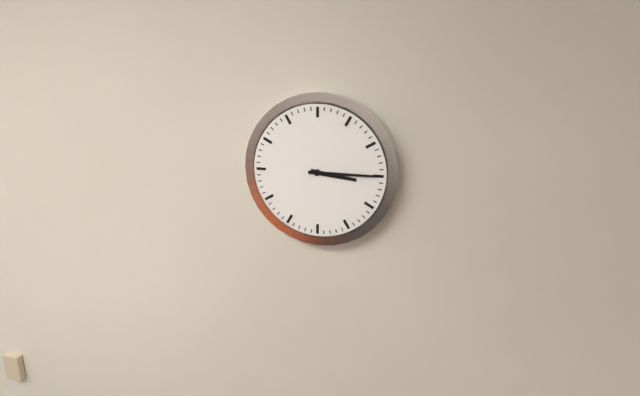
h=3 m=15
